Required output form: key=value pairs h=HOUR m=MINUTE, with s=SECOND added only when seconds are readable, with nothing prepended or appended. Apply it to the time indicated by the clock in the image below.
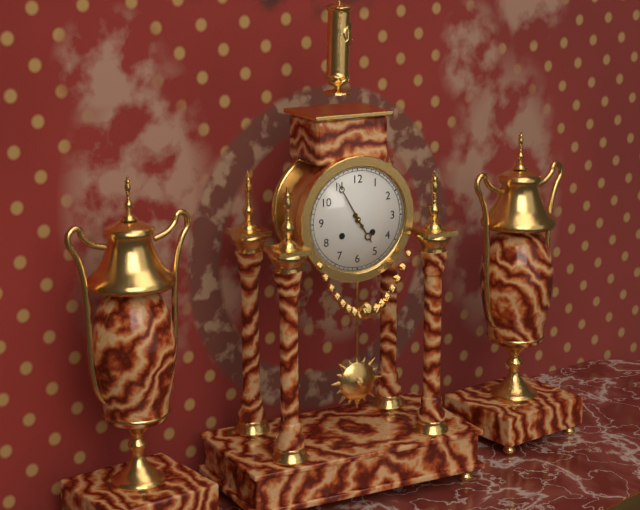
h=4 m=55
